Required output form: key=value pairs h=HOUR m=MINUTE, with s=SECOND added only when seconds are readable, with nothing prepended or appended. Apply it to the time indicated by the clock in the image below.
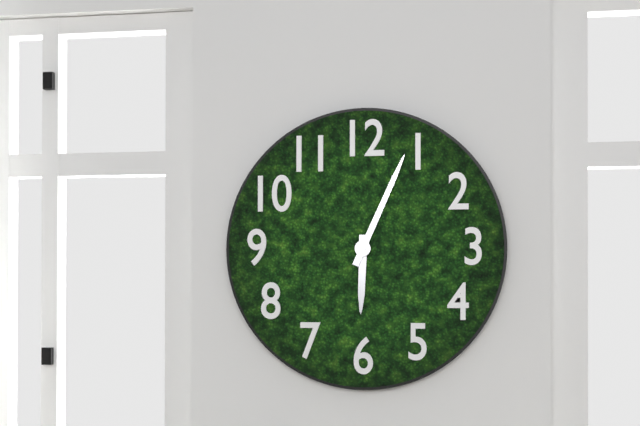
h=6 m=4
